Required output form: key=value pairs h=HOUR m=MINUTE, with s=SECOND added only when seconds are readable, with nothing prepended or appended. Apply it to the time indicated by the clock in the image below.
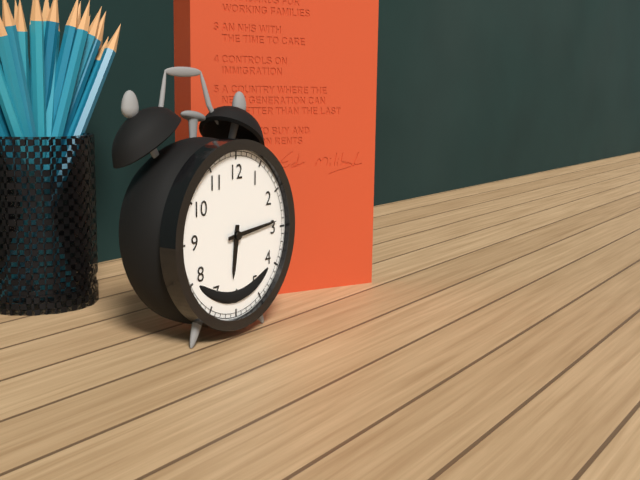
h=6 m=14
